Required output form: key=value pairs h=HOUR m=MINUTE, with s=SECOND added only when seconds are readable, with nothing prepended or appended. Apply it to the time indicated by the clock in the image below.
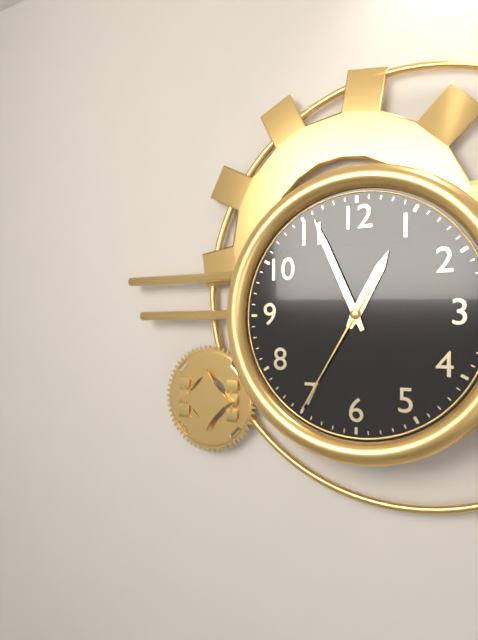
h=12 m=56 s=35
